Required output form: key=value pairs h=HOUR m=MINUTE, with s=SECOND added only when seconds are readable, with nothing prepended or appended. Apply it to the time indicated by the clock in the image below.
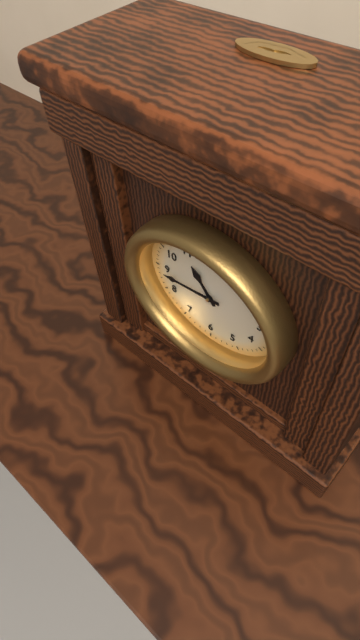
h=10 m=44
